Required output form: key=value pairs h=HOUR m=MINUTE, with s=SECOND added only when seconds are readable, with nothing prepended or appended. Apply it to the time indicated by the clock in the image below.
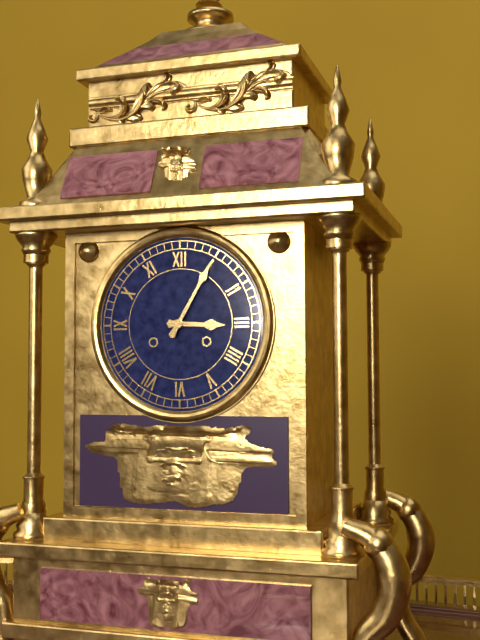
h=3 m=5
